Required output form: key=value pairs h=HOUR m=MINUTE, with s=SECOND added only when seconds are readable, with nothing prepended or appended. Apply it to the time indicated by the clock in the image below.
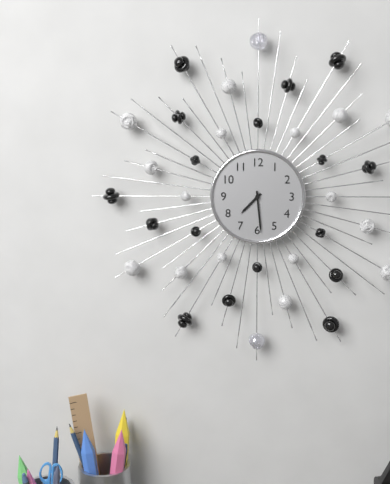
h=7 m=29
